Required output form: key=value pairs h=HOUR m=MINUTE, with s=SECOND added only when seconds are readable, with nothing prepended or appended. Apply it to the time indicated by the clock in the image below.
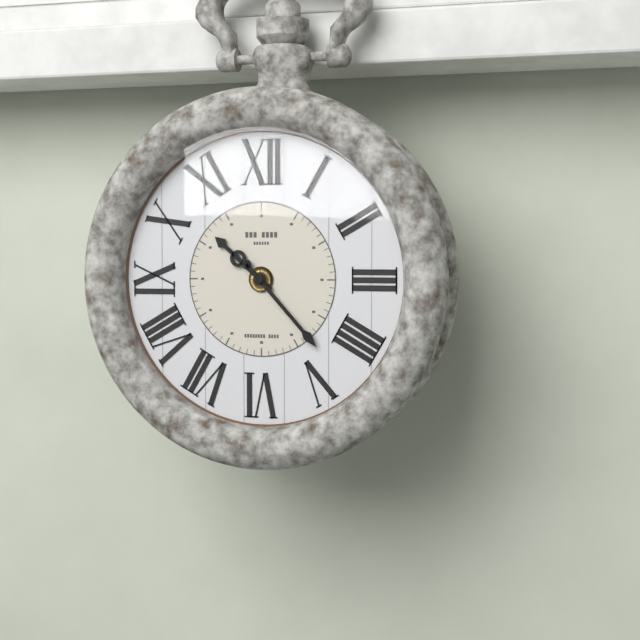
h=10 m=23
